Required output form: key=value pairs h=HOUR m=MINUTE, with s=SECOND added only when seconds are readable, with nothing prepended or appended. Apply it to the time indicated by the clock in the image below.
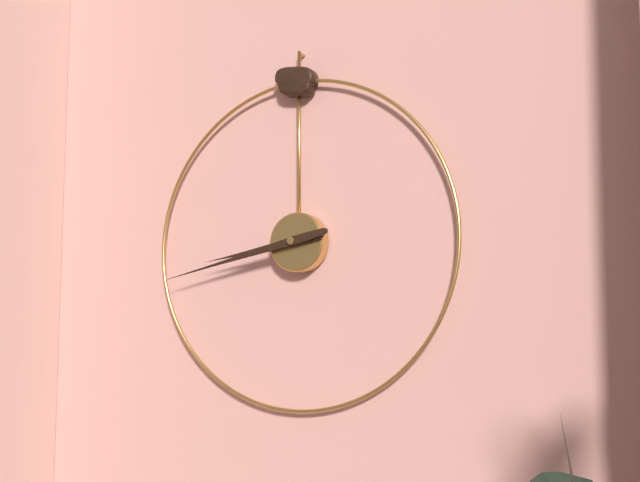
h=8 m=43
